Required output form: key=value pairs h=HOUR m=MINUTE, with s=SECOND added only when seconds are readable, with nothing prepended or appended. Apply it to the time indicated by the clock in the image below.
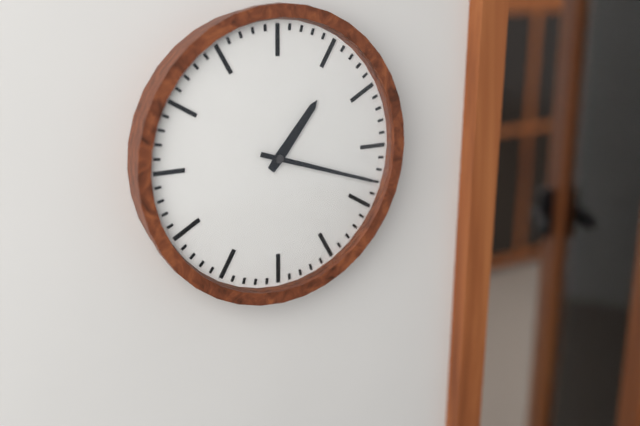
h=1 m=18
